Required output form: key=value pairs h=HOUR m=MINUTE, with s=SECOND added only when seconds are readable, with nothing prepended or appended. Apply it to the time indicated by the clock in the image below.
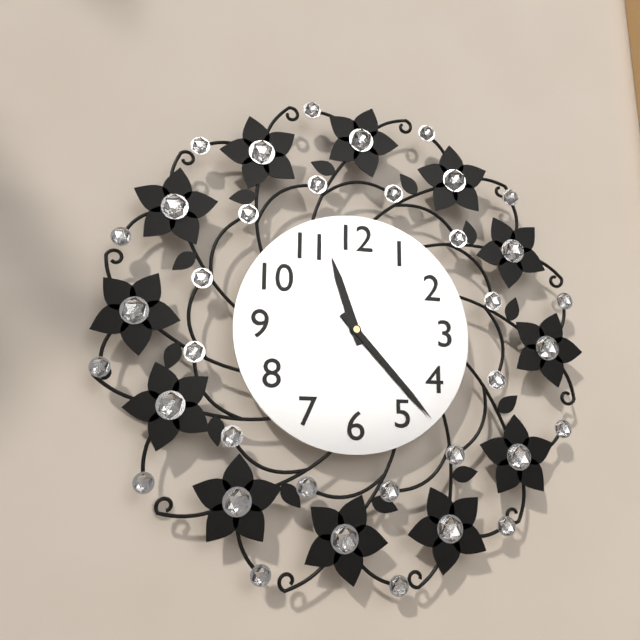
h=11 m=23
